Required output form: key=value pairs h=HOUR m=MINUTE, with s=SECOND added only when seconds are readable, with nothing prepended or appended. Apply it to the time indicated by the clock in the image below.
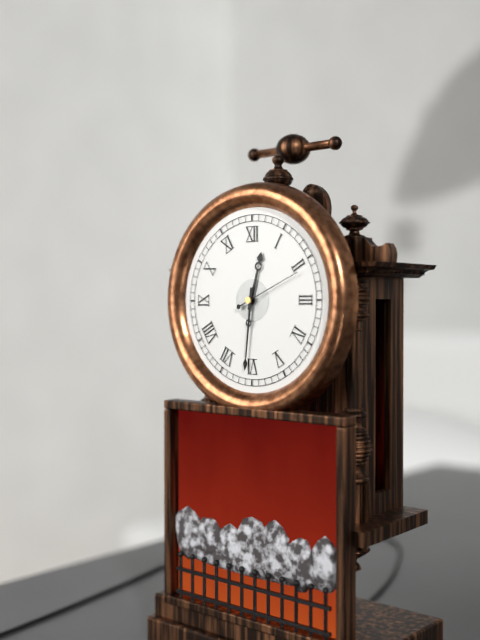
h=12 m=31 s=11
